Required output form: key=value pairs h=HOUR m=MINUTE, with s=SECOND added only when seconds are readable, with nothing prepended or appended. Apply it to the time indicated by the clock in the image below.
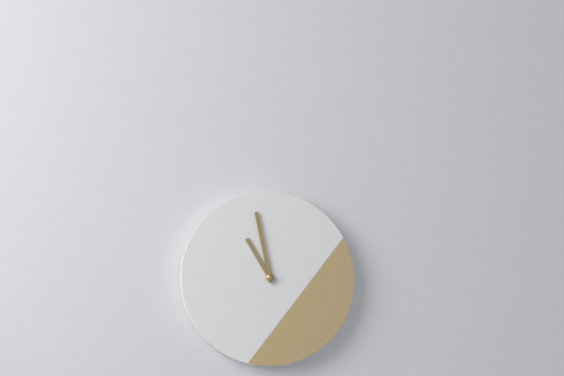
h=10 m=58
